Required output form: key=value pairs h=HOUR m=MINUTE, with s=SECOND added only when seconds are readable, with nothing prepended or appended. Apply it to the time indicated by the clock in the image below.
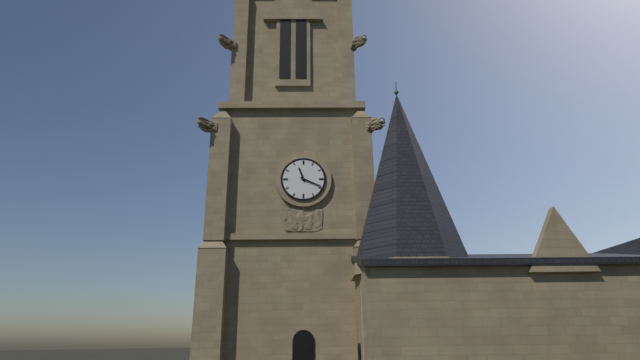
h=11 m=19
